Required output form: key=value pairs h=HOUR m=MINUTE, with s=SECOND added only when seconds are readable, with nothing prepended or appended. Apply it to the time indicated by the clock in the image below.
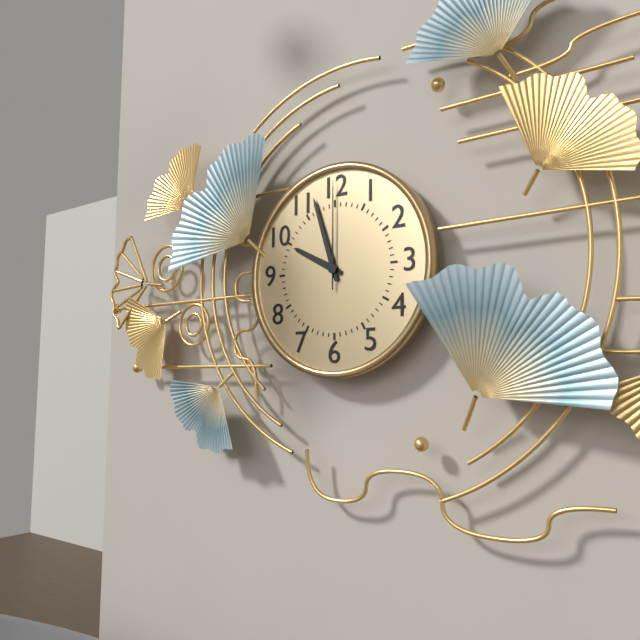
h=9 m=57 s=0
